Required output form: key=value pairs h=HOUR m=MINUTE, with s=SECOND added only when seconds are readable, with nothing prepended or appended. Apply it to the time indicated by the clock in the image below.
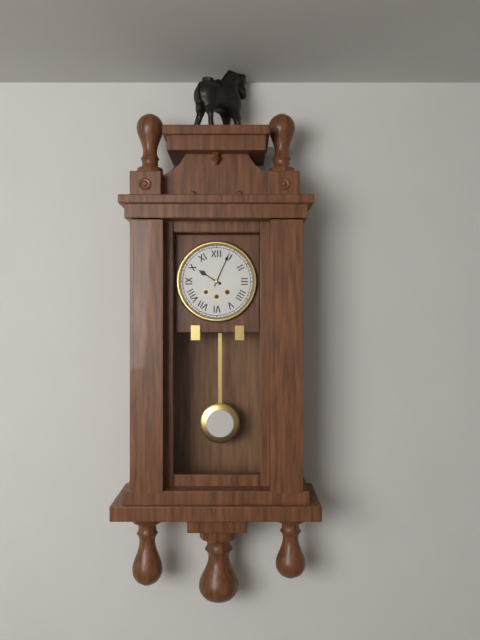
h=10 m=4
